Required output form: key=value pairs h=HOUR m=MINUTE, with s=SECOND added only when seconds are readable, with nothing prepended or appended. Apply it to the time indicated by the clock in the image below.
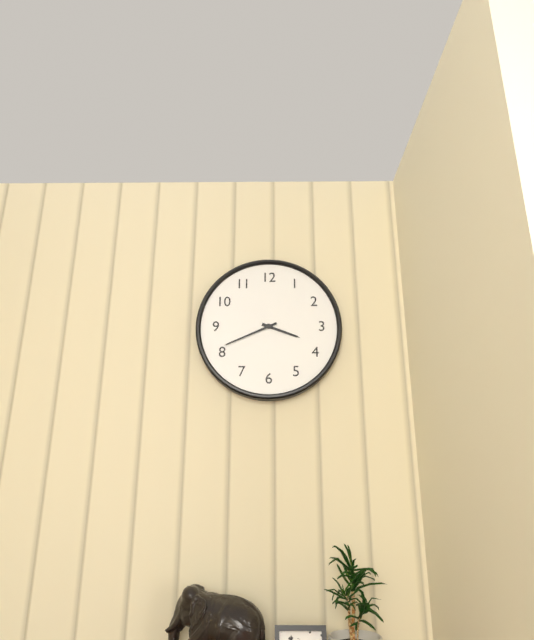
h=3 m=41
